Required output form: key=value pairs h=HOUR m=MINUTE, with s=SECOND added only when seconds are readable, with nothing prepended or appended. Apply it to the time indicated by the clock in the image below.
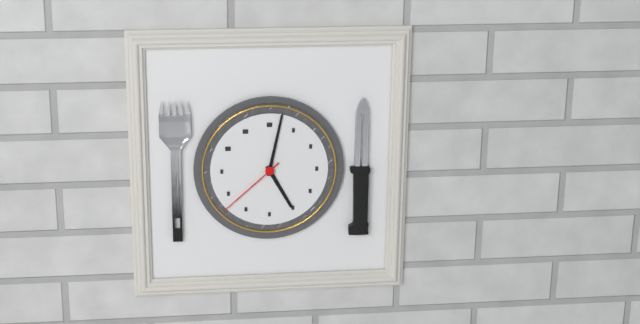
h=5 m=2 s=38
